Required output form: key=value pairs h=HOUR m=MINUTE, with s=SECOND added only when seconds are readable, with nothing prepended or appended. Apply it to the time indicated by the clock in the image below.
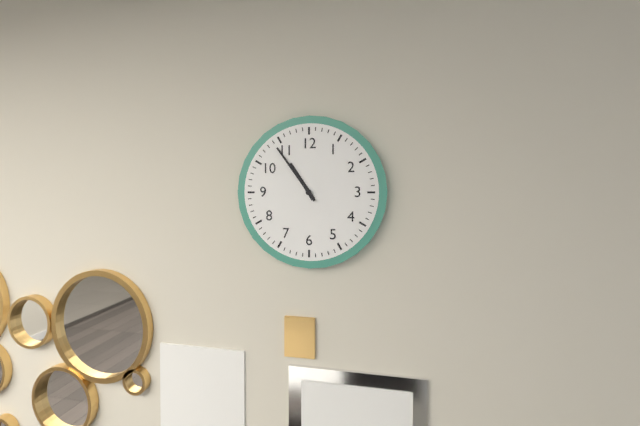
h=10 m=54
